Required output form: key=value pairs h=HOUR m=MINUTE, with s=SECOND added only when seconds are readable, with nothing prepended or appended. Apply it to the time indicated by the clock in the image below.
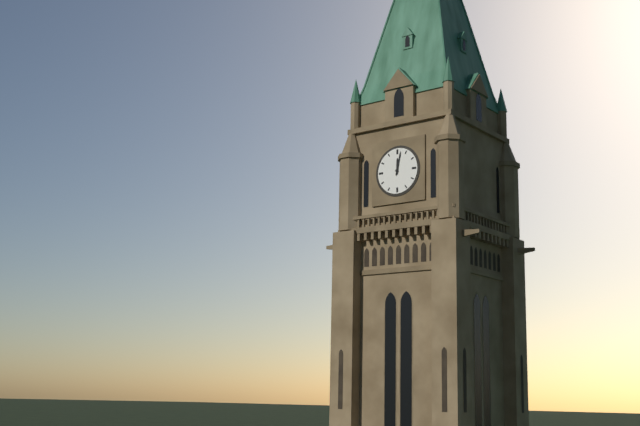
h=12 m=2
